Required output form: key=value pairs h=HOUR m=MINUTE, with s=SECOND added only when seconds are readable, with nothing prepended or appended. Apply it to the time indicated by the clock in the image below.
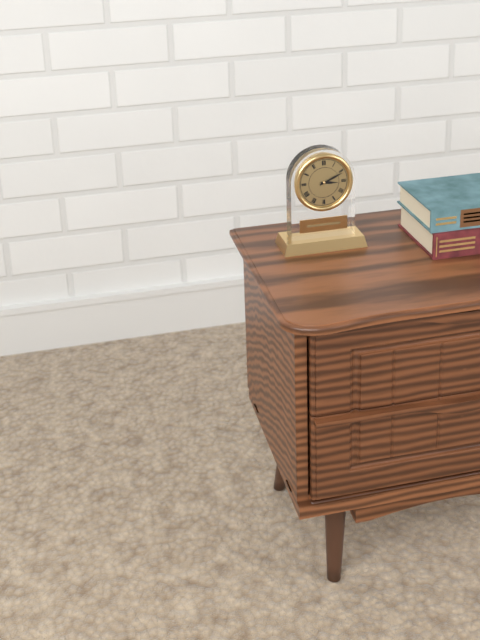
h=3 m=11
